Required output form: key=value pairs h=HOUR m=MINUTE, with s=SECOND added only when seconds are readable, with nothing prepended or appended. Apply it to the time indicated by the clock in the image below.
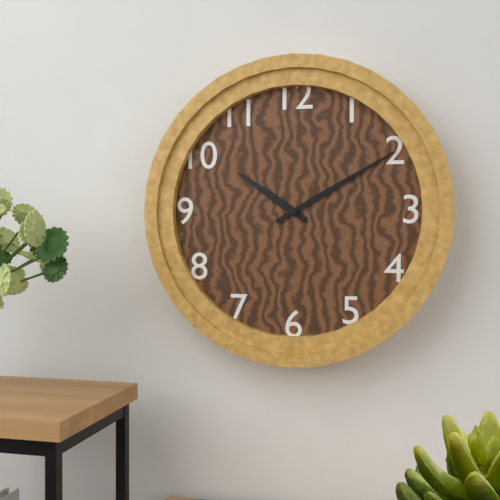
h=10 m=10
